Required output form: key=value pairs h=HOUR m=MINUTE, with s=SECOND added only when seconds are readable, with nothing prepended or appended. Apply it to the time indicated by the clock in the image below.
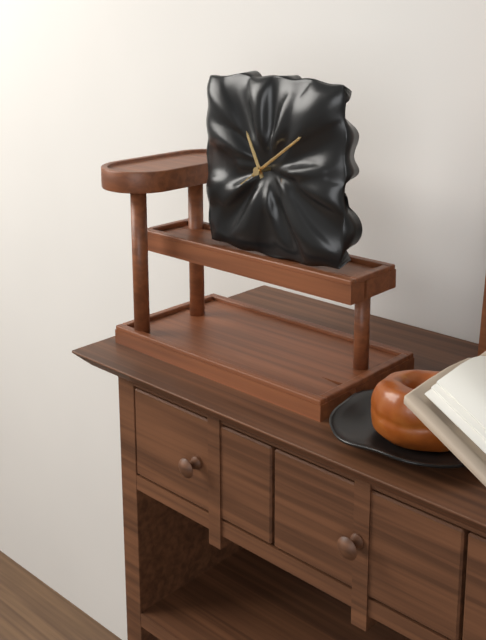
h=11 m=9 s=9
